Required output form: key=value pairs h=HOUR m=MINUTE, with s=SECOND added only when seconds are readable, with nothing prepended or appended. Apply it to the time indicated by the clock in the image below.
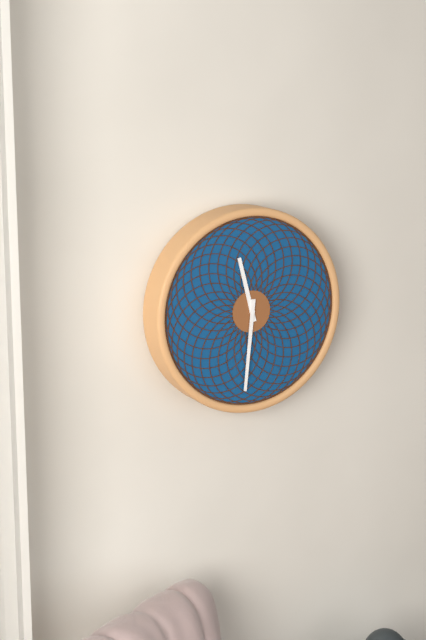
h=11 m=31
